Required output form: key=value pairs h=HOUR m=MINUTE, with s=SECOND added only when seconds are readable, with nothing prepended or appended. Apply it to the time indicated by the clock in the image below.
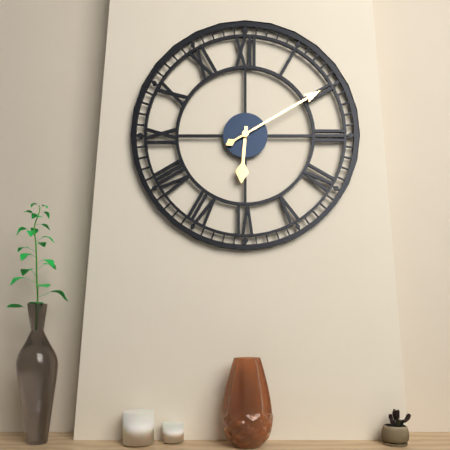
h=6 m=10
